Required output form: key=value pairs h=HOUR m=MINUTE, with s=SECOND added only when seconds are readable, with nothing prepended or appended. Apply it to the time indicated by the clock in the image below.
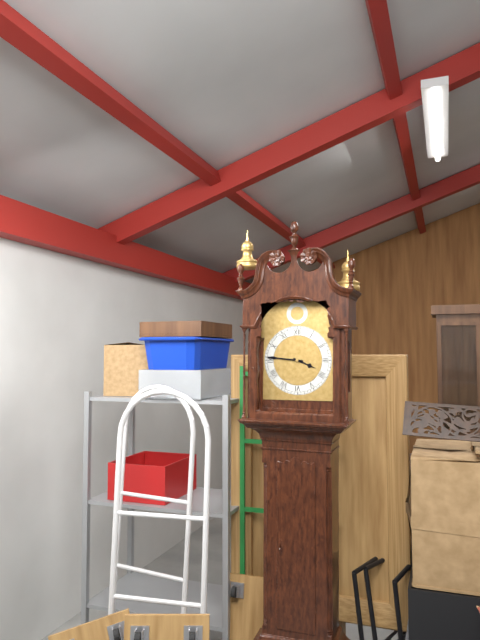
h=3 m=46
